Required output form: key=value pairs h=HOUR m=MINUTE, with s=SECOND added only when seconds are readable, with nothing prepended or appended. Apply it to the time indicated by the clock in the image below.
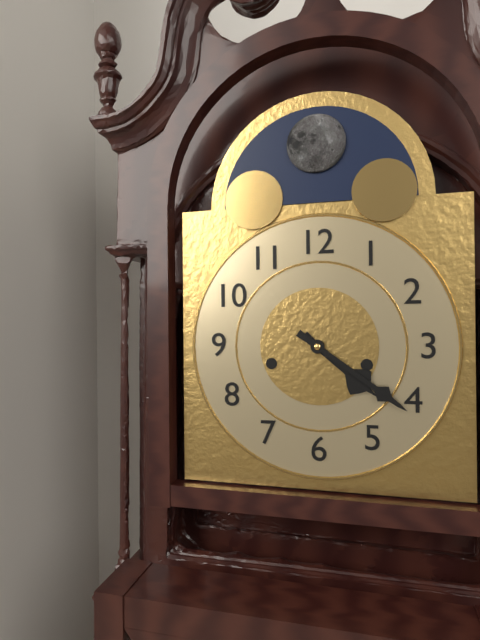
h=4 m=21
